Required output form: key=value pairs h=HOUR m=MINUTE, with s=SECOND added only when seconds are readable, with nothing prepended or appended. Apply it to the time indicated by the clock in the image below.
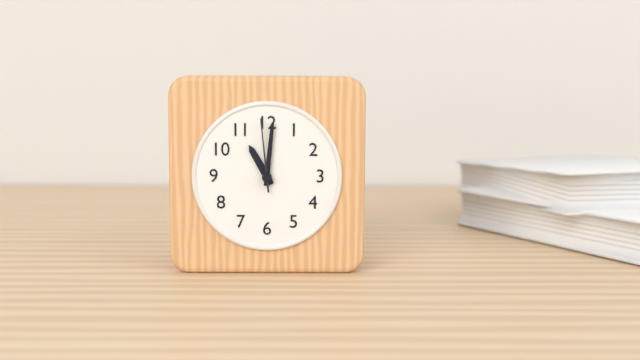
h=11 m=1 s=59
